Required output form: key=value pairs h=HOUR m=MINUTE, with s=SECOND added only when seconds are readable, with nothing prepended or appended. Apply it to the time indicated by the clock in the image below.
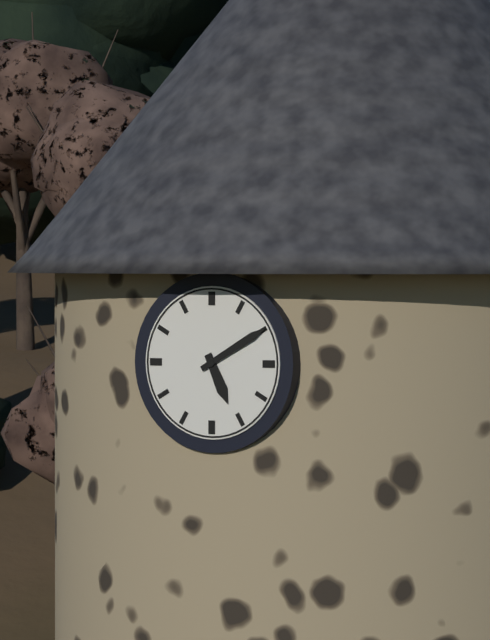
h=5 m=10
